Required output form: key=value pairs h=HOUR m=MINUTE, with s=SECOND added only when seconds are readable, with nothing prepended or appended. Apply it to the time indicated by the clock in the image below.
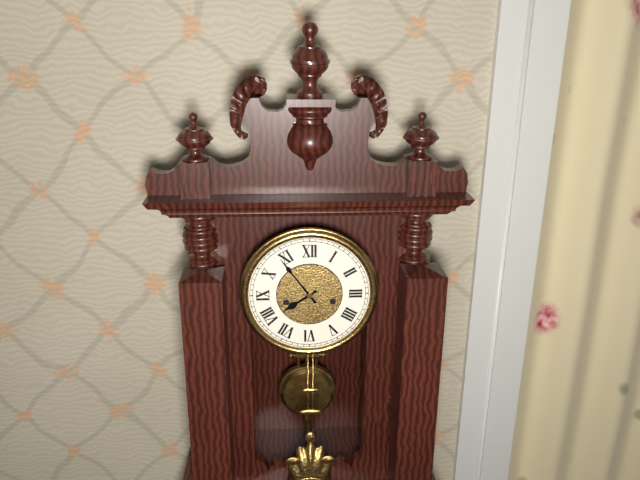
h=7 m=54
